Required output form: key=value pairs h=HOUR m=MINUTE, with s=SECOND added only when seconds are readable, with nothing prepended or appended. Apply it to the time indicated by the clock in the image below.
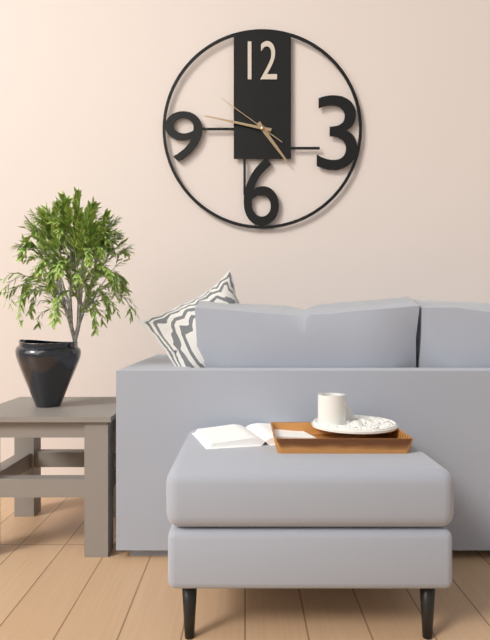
h=4 m=47 s=51
